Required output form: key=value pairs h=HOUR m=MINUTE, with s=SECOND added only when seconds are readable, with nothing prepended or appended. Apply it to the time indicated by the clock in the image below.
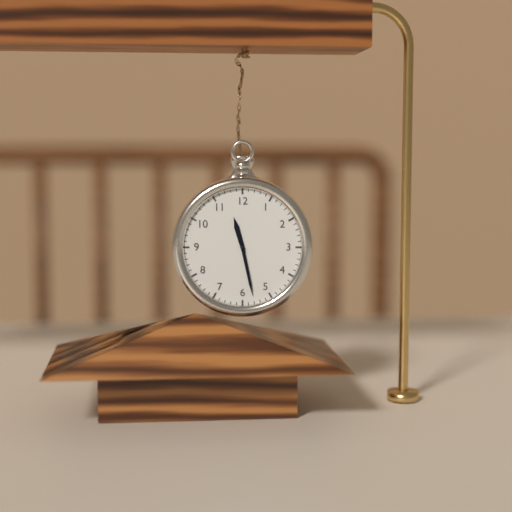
h=11 m=28
